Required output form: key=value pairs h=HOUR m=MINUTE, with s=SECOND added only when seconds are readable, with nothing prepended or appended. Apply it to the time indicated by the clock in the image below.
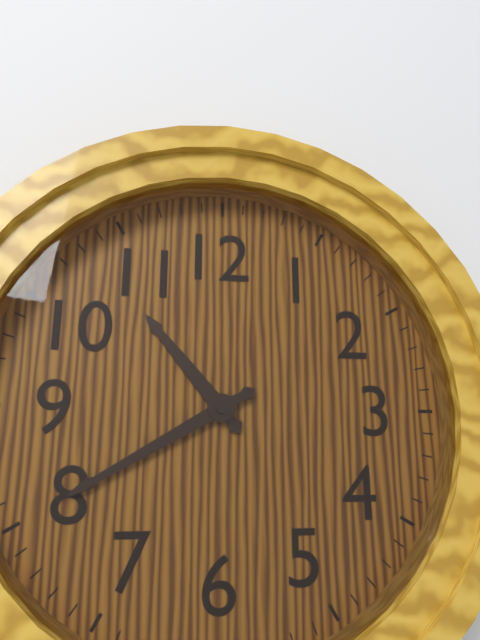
h=10 m=40
